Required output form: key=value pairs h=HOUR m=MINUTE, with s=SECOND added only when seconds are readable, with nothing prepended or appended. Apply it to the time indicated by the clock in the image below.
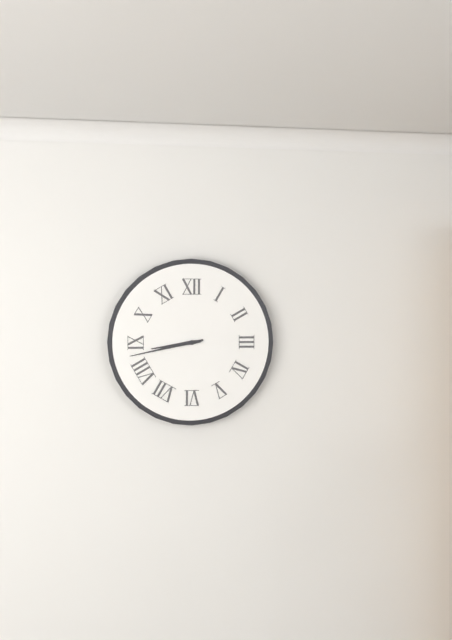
h=8 m=43
